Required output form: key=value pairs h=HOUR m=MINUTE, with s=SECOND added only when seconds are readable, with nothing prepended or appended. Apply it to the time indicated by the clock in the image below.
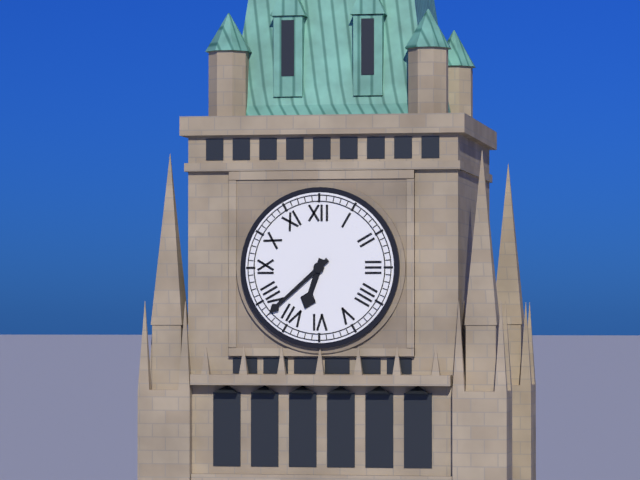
h=6 m=38
